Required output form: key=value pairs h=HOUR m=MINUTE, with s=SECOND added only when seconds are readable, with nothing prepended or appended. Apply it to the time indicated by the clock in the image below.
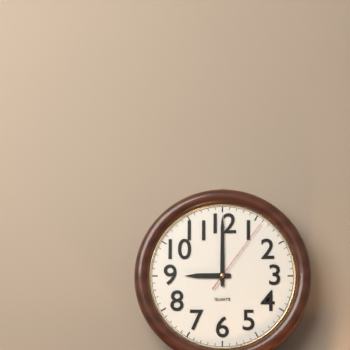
h=9 m=0 s=6
